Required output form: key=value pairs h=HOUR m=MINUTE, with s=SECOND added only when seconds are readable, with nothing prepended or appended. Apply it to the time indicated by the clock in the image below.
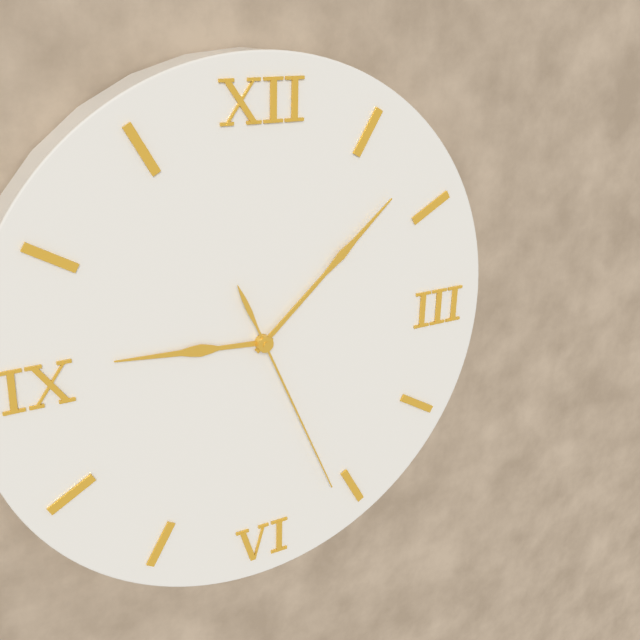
h=9 m=8 s=26
